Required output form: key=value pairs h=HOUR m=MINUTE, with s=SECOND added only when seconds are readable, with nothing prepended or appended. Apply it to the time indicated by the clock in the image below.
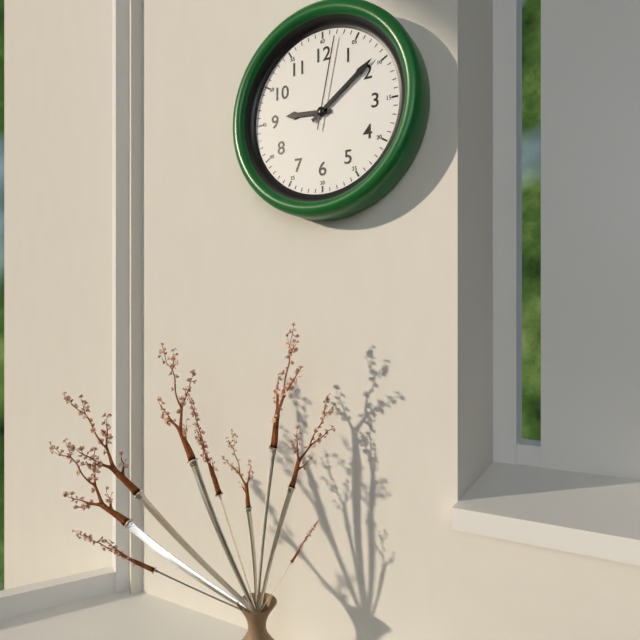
h=9 m=9 s=2
